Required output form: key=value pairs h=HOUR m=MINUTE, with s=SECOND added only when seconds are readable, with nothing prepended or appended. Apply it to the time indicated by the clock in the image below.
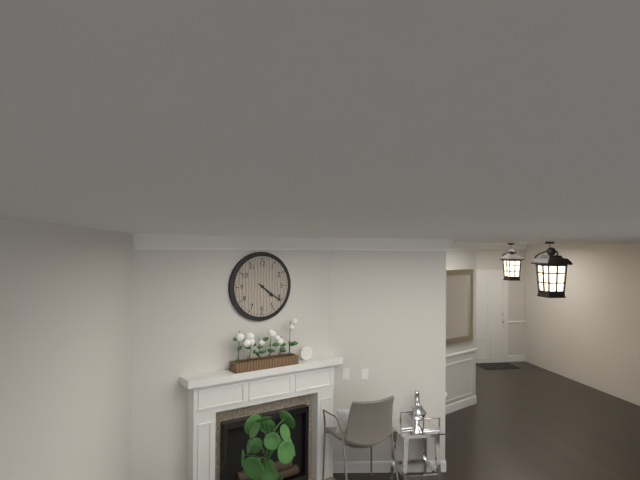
h=4 m=21
